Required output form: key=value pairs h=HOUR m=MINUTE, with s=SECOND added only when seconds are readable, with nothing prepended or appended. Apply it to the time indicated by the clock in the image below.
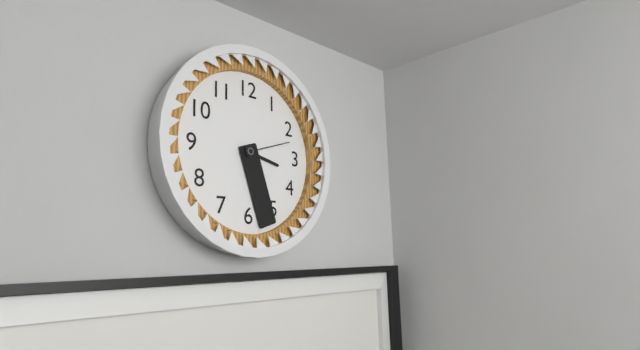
h=3 m=27 s=12
